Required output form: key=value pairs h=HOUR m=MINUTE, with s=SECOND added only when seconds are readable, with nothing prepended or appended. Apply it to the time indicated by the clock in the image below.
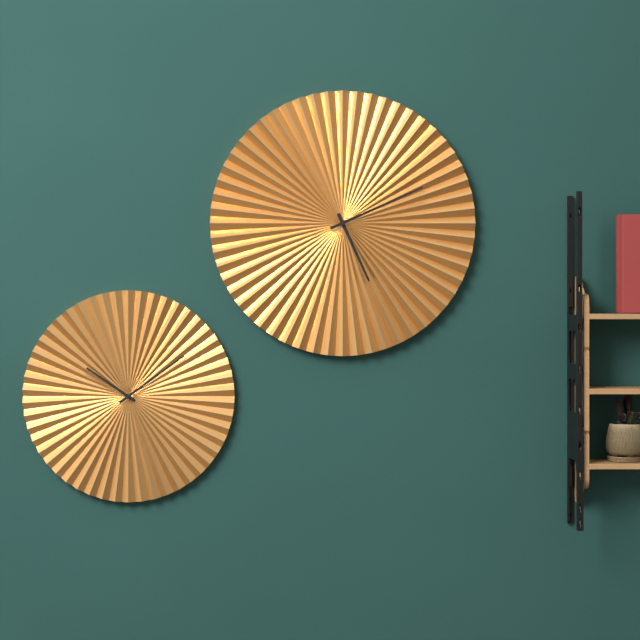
h=5 m=11
